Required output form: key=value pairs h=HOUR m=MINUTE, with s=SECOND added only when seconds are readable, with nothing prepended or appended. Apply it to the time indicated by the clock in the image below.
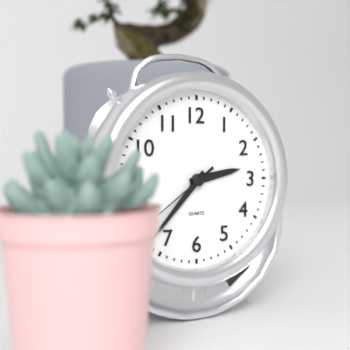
h=2 m=37
